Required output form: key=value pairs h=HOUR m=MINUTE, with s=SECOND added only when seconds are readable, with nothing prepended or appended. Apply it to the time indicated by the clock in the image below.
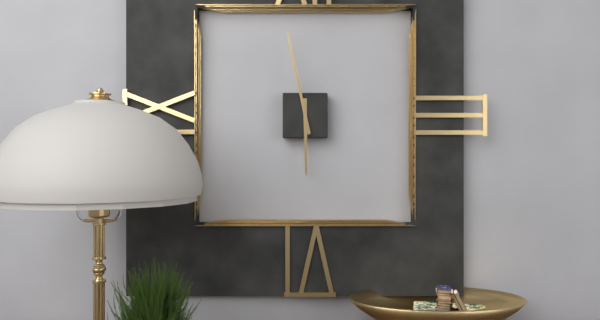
h=5 m=58
